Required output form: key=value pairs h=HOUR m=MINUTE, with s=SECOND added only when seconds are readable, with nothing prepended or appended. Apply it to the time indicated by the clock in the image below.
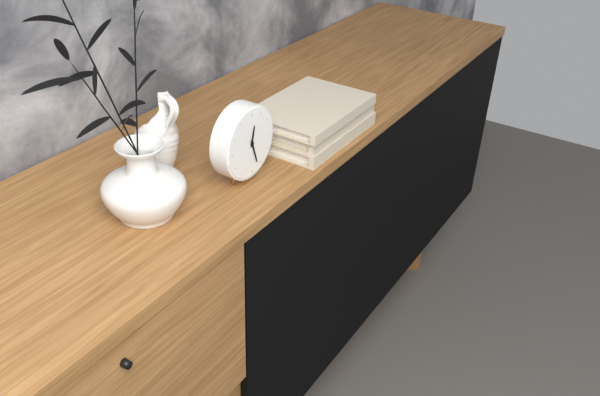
h=12 m=27
